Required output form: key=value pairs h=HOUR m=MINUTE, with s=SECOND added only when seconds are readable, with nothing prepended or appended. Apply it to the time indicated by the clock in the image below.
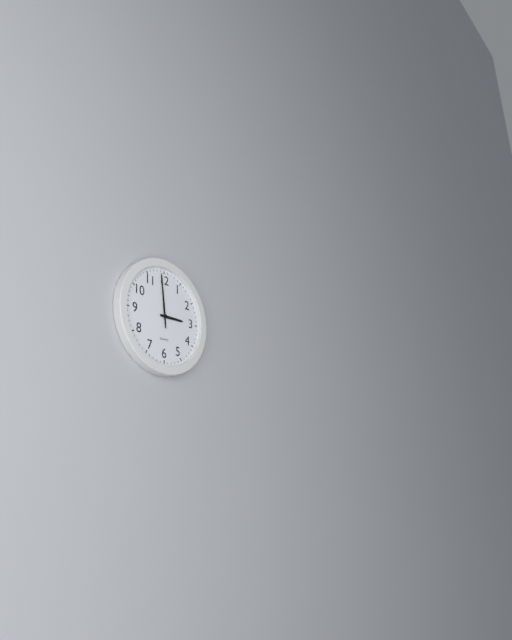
h=2 m=59
